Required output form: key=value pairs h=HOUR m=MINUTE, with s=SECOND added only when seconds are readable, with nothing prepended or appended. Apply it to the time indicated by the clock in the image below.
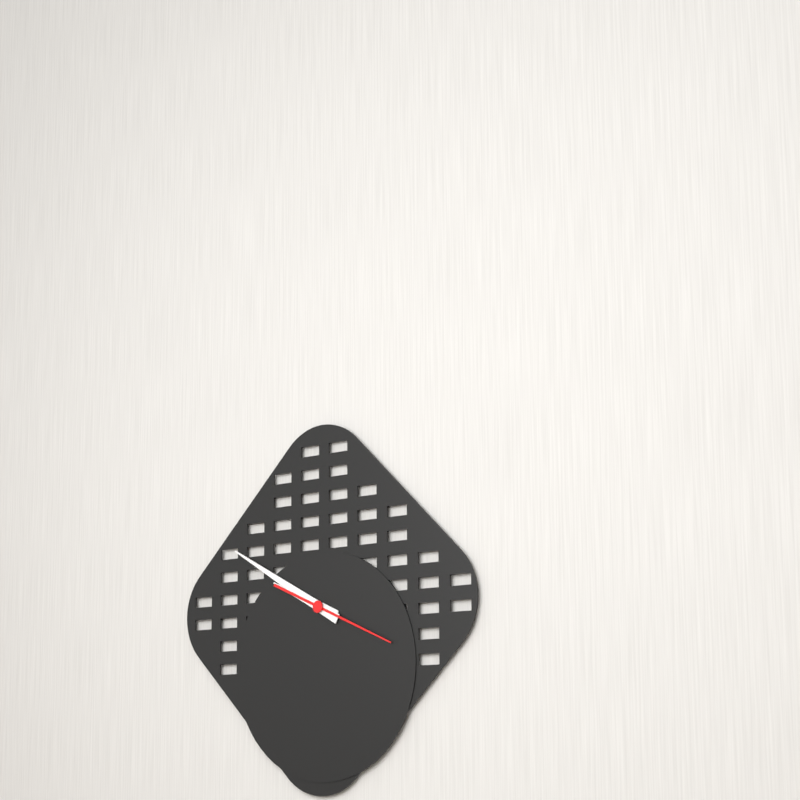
h=9 m=50 s=19
